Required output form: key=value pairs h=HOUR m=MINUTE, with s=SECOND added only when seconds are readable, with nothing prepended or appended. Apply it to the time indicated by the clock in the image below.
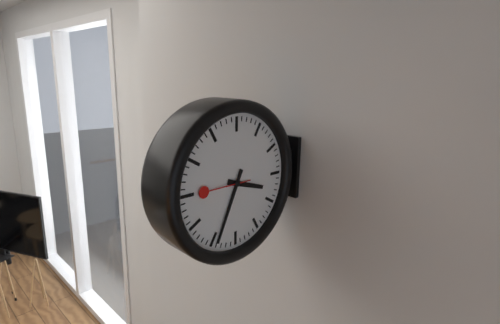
h=3 m=34
